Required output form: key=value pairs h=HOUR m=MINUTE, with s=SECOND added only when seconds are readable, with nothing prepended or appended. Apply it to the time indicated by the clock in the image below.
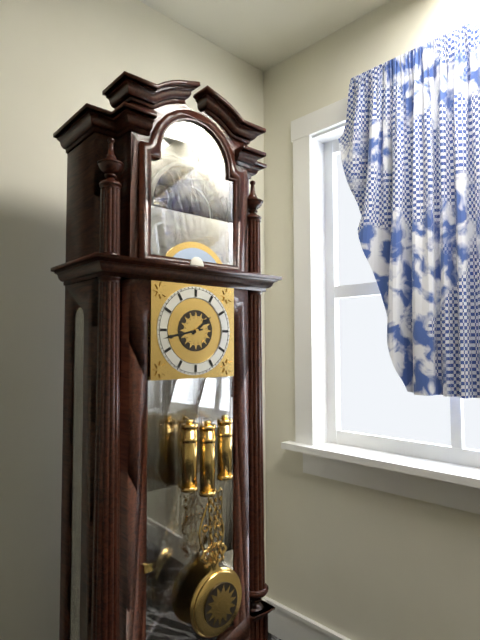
h=1 m=43
